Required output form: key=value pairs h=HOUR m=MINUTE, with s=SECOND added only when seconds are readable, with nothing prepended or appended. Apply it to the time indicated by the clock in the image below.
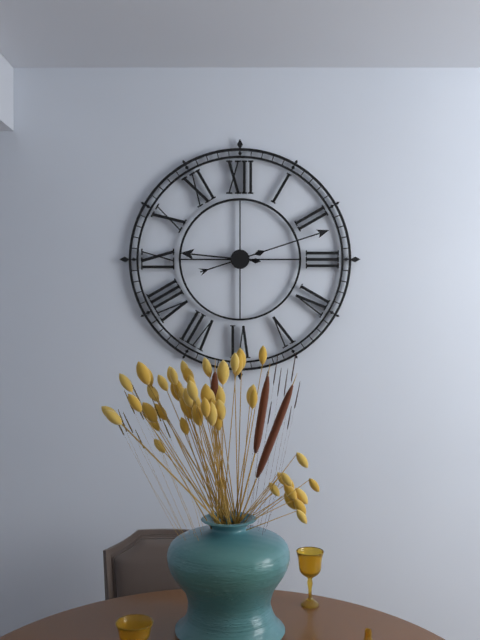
h=9 m=12
